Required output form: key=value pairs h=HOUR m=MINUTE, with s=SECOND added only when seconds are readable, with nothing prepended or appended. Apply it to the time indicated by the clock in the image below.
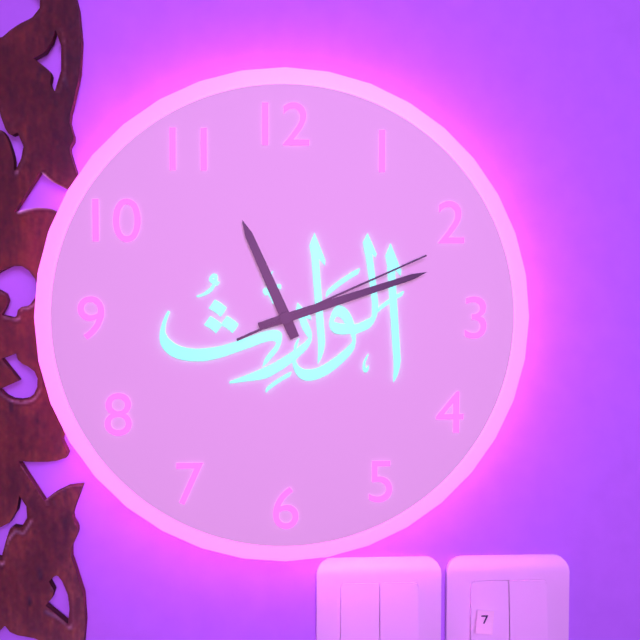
h=11 m=12 s=11
